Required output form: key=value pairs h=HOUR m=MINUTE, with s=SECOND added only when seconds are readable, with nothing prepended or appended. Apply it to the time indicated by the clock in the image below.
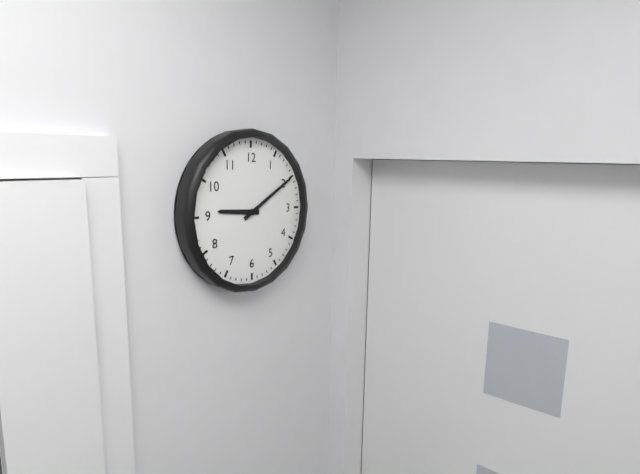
h=9 m=10
